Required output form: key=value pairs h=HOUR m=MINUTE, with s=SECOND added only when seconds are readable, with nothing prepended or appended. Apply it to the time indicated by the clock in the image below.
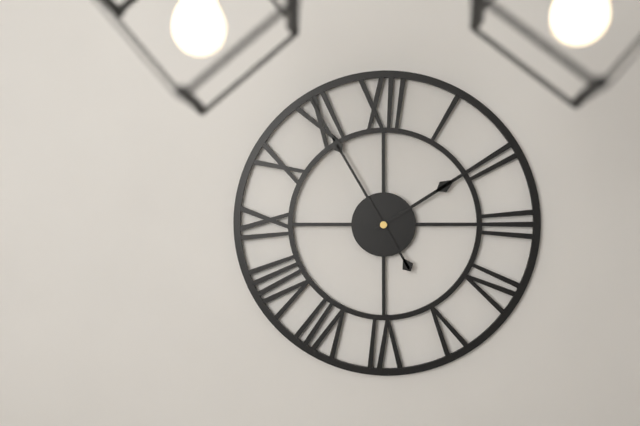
h=1 m=55
